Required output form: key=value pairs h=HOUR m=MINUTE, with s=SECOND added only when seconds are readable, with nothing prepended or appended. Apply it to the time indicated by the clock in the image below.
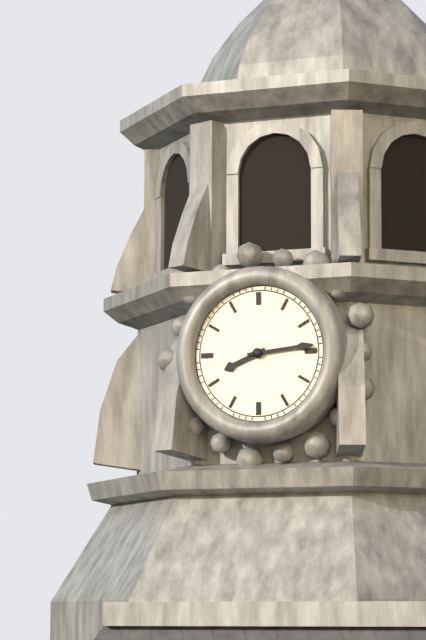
h=8 m=14
